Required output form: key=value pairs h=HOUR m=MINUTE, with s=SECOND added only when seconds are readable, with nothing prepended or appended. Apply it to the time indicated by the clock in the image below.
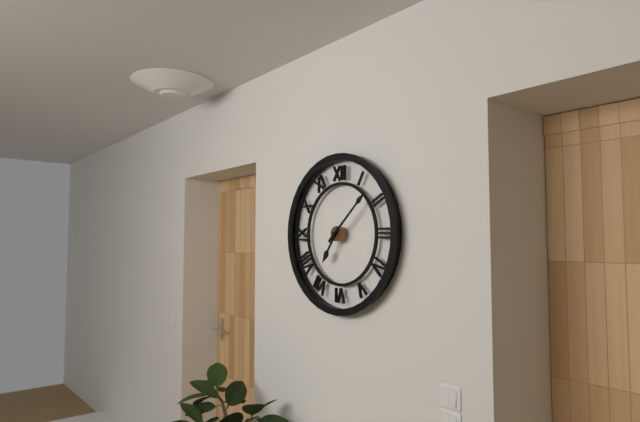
h=7 m=8
